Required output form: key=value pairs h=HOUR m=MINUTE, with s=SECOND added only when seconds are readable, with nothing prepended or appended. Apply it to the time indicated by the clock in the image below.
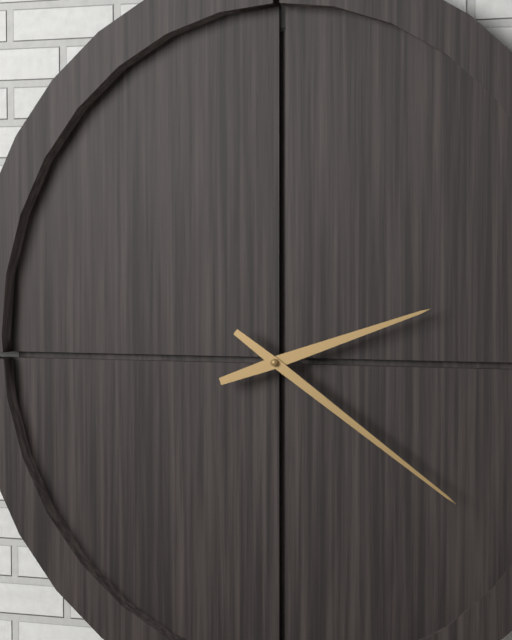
h=2 m=21
